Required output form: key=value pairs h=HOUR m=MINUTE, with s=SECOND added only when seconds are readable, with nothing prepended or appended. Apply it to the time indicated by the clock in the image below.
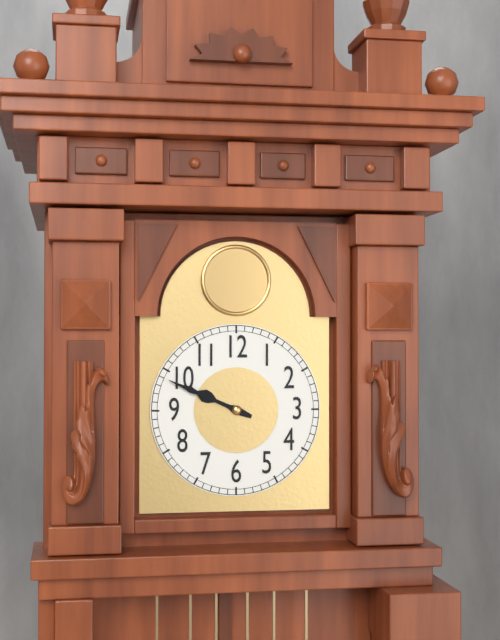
h=9 m=49
